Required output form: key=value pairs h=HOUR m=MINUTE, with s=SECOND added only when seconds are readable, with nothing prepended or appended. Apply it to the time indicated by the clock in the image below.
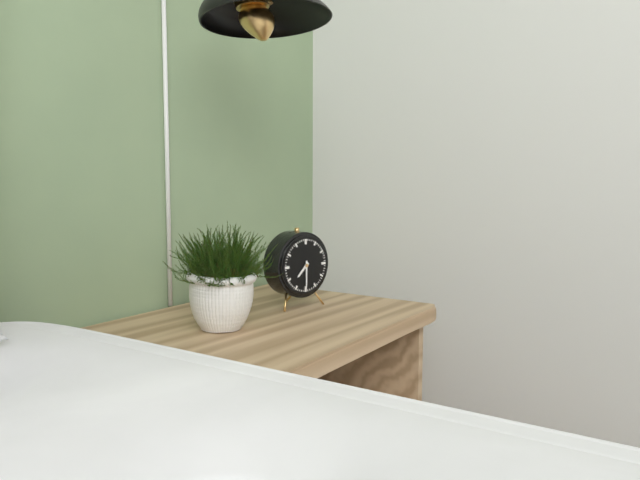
h=7 m=30
